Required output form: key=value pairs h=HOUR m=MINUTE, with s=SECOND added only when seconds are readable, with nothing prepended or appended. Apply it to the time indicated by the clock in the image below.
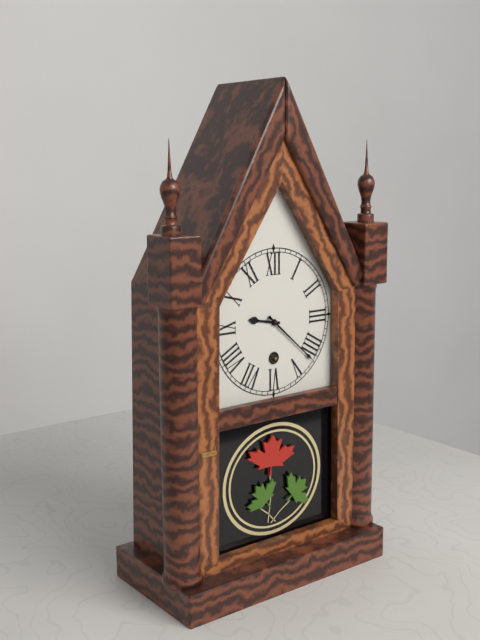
h=9 m=22
